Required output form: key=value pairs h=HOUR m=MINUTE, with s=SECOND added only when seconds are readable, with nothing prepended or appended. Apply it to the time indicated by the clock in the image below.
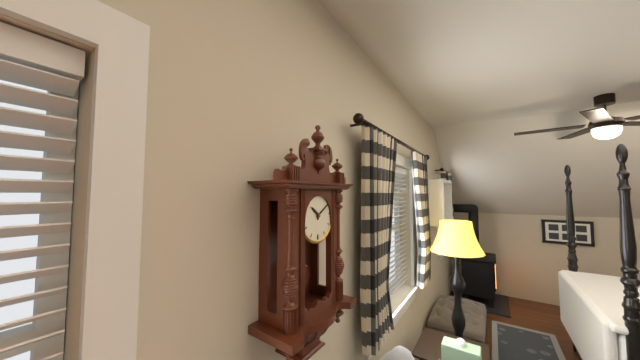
h=10 m=10
